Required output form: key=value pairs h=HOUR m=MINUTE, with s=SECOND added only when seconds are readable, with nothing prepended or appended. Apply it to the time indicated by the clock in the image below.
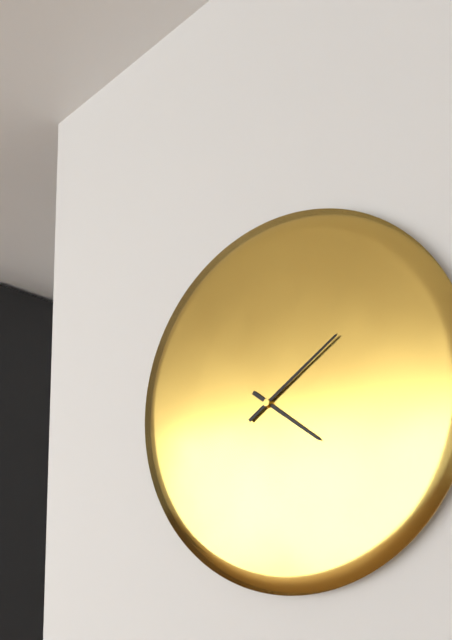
h=4 m=9
